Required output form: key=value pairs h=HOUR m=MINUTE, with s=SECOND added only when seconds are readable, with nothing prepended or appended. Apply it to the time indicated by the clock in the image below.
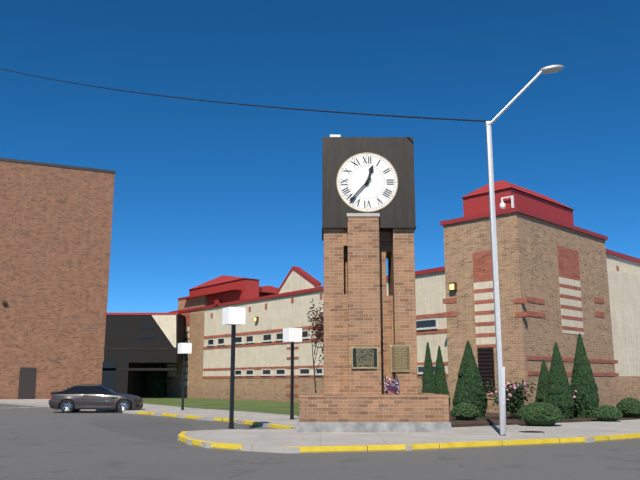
h=12 m=37
